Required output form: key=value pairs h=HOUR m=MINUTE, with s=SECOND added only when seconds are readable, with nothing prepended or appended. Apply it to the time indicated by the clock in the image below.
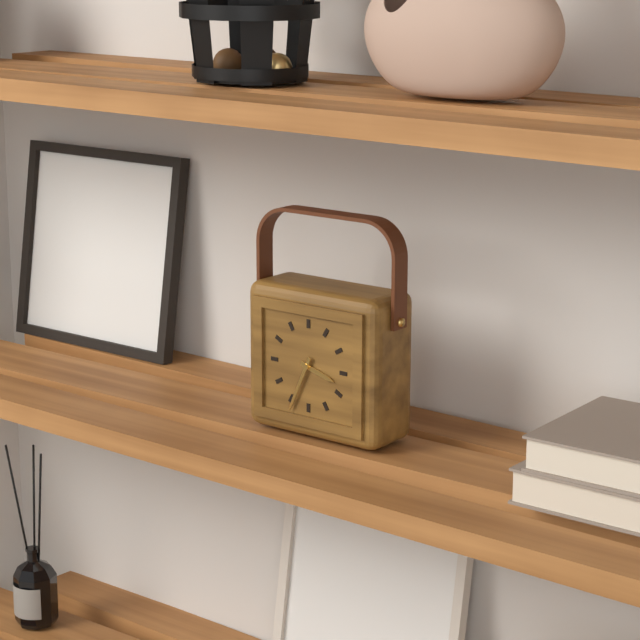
h=3 m=34
